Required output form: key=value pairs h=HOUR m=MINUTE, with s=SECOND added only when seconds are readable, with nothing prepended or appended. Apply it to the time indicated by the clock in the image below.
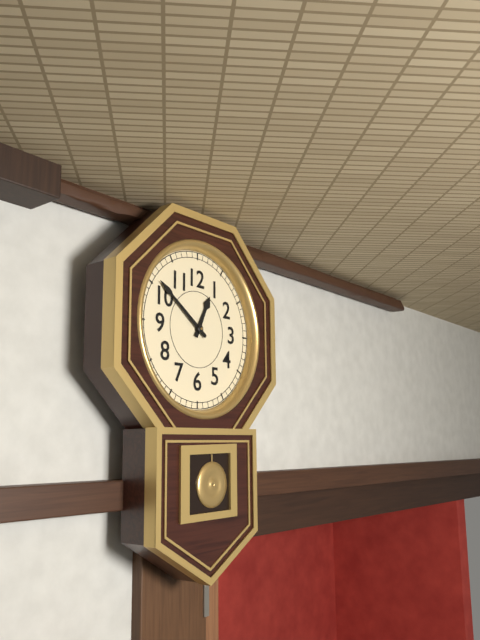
h=12 m=51
